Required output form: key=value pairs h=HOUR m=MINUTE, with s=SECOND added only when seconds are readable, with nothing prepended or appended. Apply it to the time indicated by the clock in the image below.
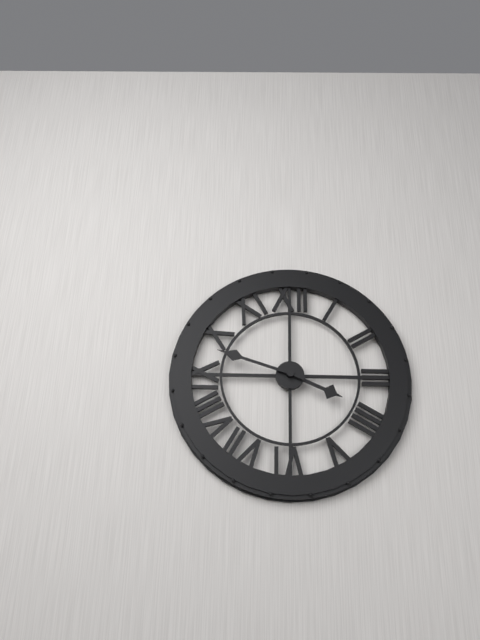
h=3 m=48
